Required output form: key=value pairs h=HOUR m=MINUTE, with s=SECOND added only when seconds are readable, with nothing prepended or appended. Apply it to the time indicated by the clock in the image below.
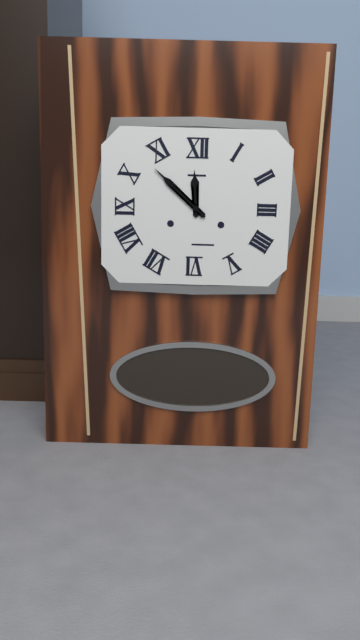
h=11 m=52
